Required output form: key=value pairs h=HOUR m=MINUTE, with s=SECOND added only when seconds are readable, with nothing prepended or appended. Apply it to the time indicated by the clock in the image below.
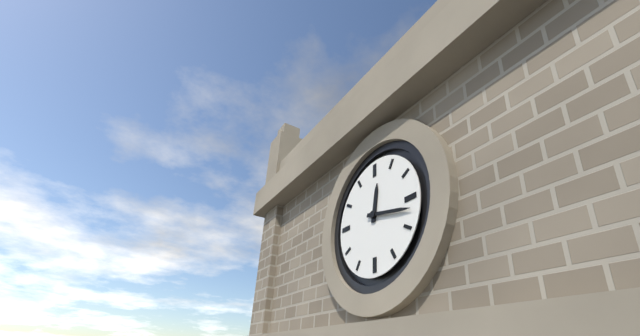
h=12 m=17
